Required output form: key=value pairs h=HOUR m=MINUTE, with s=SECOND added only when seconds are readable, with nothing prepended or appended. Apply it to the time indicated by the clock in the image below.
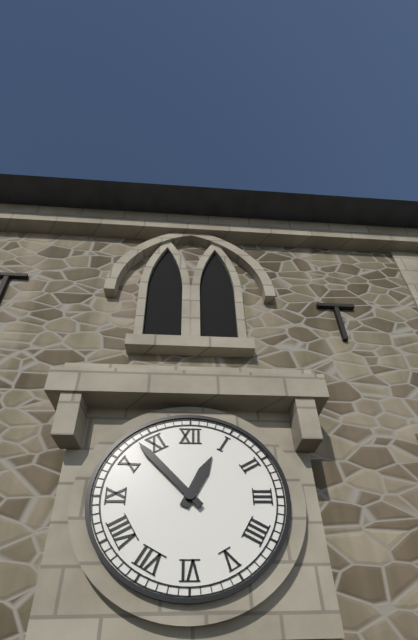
h=12 m=53
